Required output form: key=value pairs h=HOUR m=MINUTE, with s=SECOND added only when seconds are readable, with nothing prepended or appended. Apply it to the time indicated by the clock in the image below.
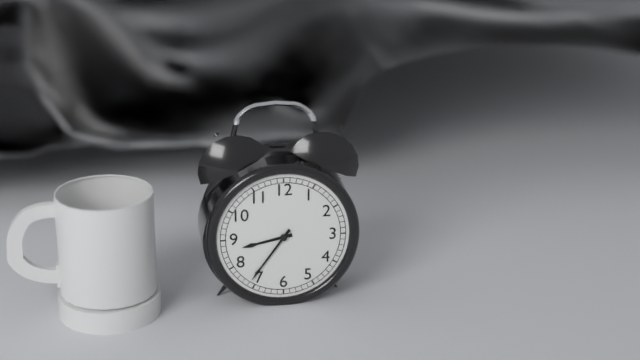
h=8 m=36
